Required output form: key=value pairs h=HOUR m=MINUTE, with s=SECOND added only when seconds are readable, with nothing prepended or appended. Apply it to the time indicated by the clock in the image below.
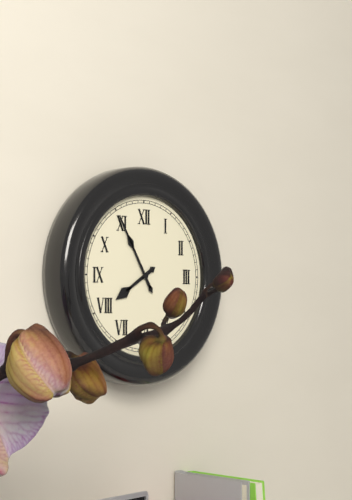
h=7 m=55
